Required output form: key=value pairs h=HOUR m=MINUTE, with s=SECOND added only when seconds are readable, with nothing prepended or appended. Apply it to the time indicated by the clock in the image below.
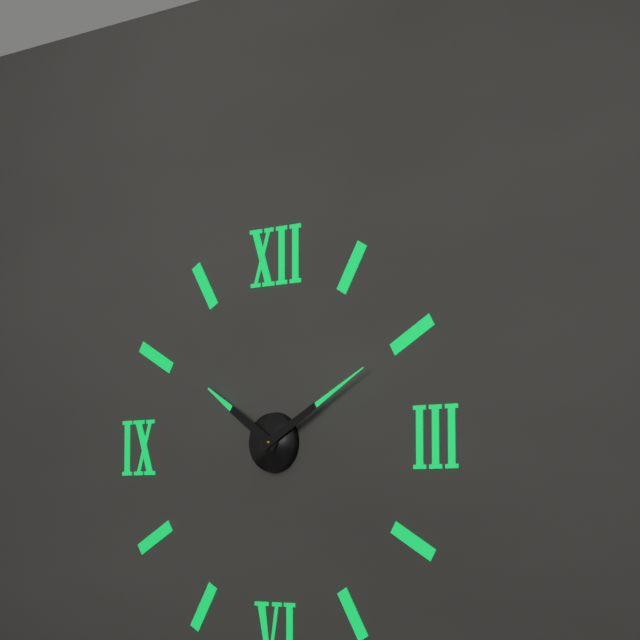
h=10 m=10
